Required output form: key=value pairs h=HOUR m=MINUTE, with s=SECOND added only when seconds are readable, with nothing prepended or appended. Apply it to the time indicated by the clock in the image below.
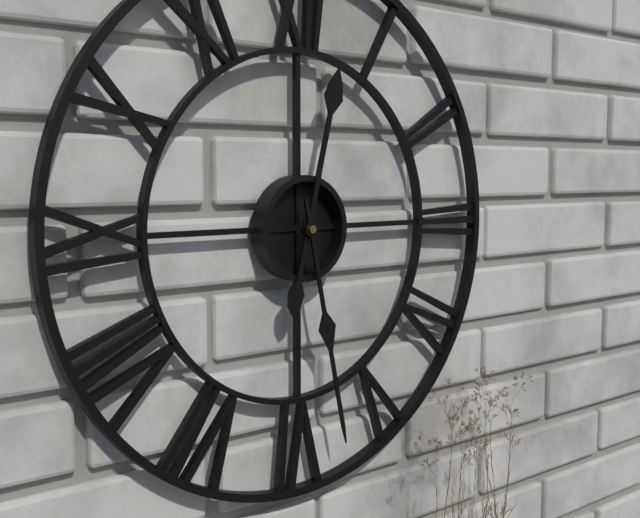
h=12 m=28
